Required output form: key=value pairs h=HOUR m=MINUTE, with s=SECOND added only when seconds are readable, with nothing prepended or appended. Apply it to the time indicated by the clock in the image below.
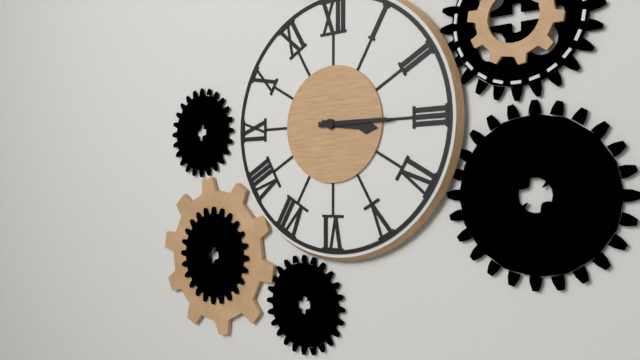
h=3 m=15
